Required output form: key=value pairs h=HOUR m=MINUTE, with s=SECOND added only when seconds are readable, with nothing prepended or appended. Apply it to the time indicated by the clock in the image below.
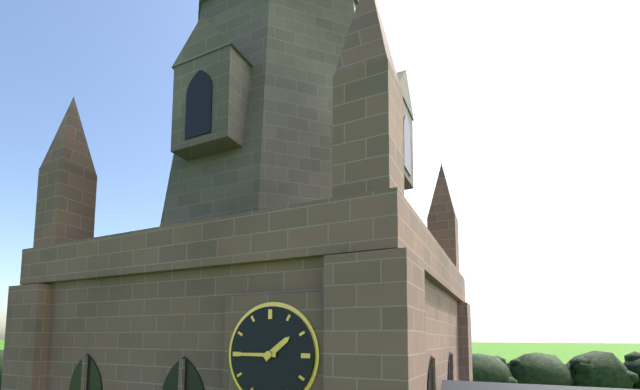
h=1 m=45
